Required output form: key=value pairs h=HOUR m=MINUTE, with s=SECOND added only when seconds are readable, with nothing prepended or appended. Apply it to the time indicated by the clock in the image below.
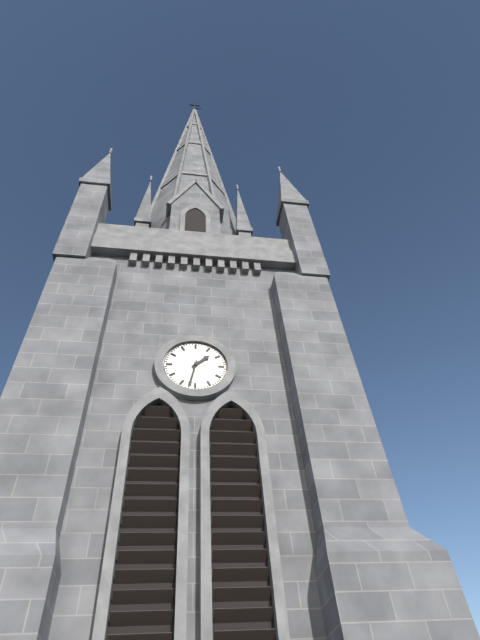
h=1 m=32
